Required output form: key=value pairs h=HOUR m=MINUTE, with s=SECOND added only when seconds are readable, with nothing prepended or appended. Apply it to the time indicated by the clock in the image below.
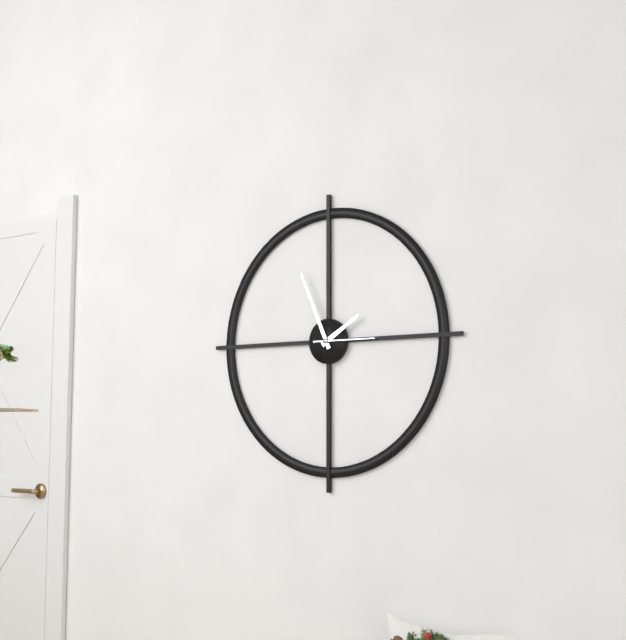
h=1 m=56 s=15
